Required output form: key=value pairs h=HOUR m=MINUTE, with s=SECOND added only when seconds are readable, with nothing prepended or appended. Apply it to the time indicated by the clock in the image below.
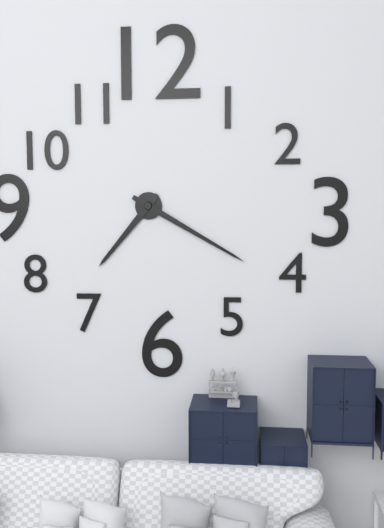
h=7 m=20
